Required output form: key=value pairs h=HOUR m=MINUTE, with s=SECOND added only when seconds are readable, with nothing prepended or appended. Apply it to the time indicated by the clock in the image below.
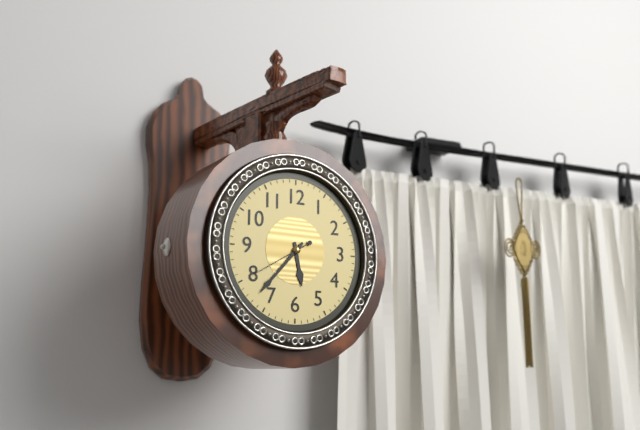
h=5 m=37 s=40
